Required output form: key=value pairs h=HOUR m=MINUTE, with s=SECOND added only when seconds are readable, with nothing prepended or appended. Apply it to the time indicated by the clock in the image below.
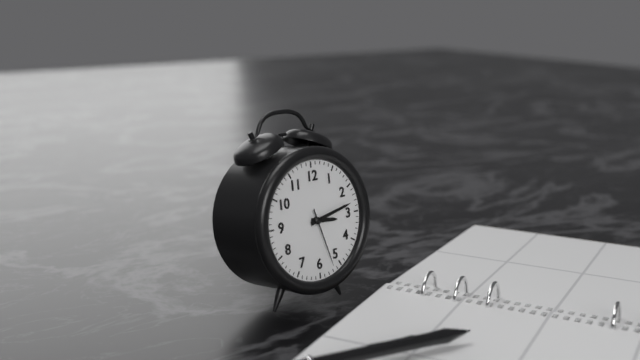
h=3 m=13 s=27
